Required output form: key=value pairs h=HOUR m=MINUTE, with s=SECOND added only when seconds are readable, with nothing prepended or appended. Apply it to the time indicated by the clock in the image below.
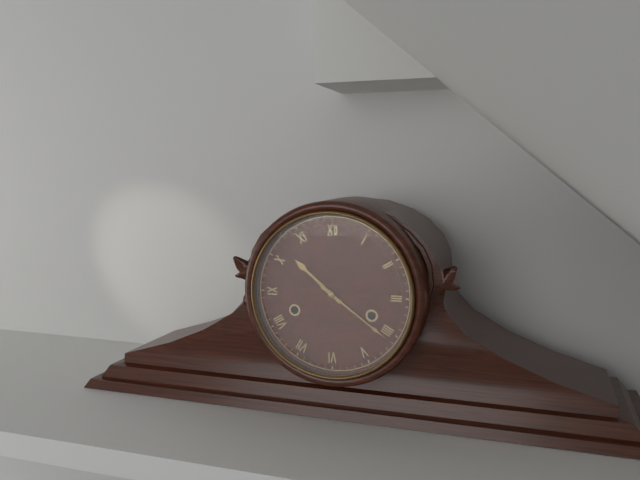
h=10 m=21
